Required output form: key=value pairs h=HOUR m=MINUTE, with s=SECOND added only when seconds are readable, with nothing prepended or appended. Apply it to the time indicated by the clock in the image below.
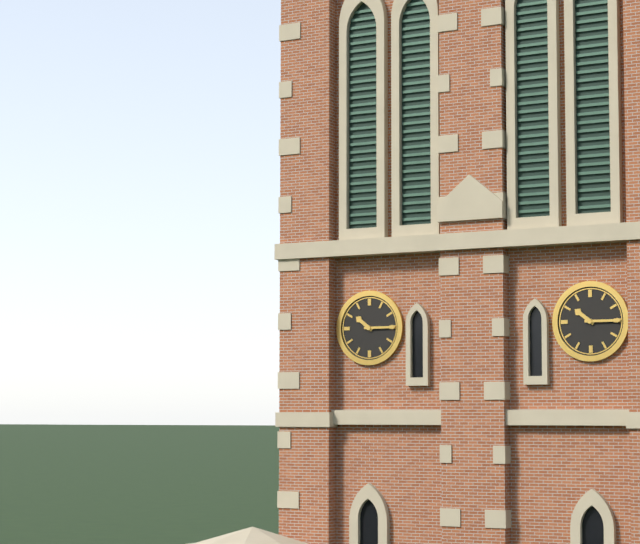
h=10 m=15
